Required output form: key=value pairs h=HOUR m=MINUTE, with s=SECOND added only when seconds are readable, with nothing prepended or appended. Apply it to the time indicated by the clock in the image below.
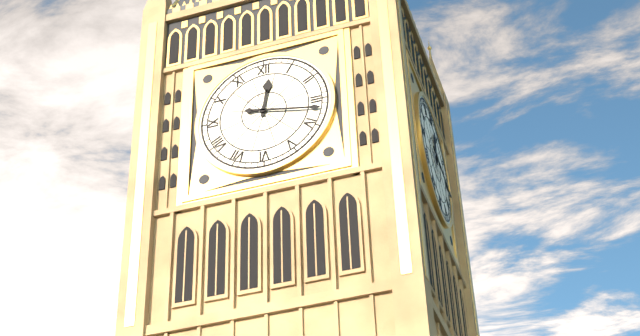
h=12 m=17
